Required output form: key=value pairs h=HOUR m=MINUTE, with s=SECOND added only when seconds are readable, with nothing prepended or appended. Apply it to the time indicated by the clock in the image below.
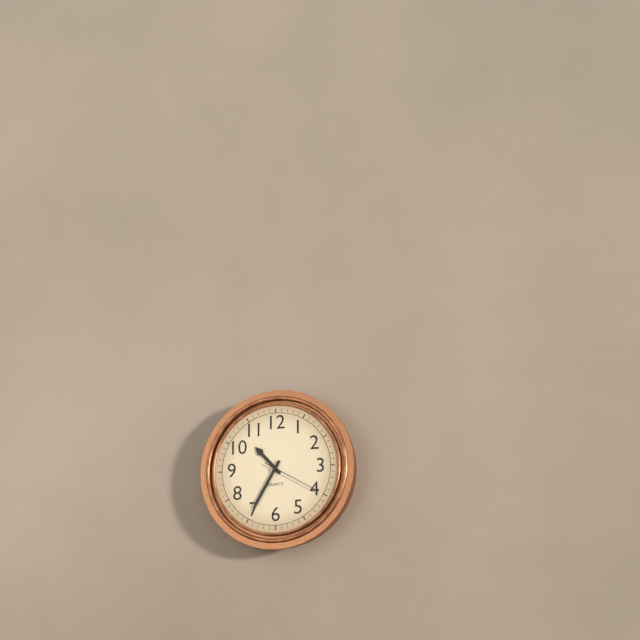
h=10 m=35 s=20
